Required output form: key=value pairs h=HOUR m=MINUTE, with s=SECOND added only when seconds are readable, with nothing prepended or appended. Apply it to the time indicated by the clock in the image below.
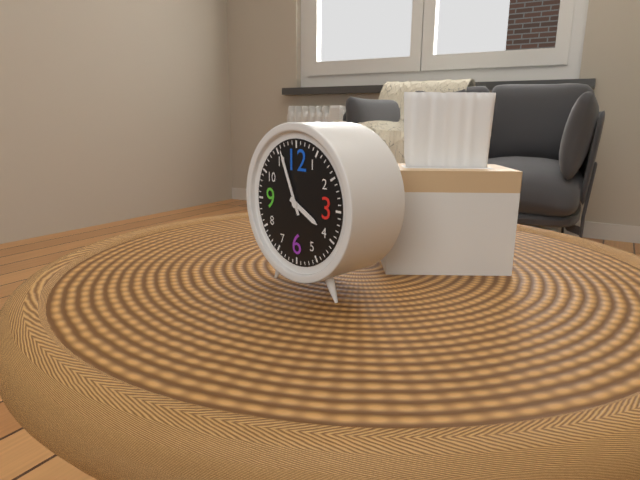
h=3 m=56
